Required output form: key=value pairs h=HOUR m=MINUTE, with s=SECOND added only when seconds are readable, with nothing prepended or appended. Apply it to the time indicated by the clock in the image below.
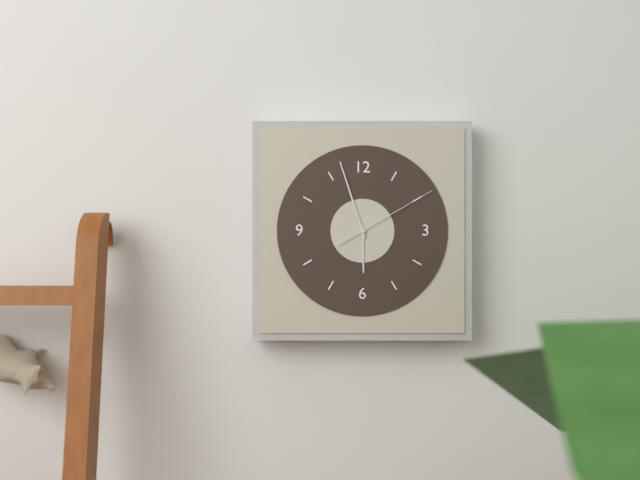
h=5 m=57 s=10
